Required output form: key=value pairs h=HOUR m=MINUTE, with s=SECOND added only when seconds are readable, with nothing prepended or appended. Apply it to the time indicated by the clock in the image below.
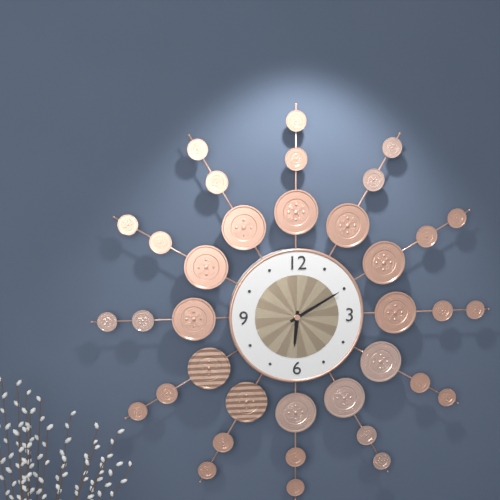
h=6 m=10
